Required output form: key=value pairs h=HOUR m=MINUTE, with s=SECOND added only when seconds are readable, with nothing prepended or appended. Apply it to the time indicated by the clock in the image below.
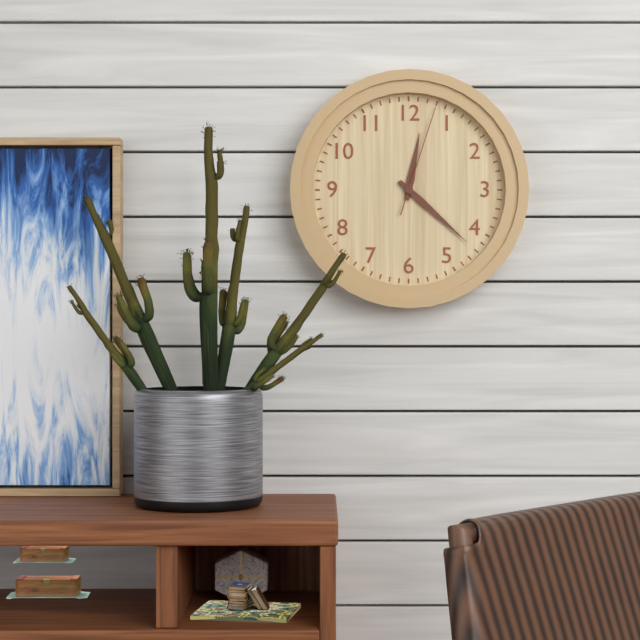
h=12 m=22 s=3
